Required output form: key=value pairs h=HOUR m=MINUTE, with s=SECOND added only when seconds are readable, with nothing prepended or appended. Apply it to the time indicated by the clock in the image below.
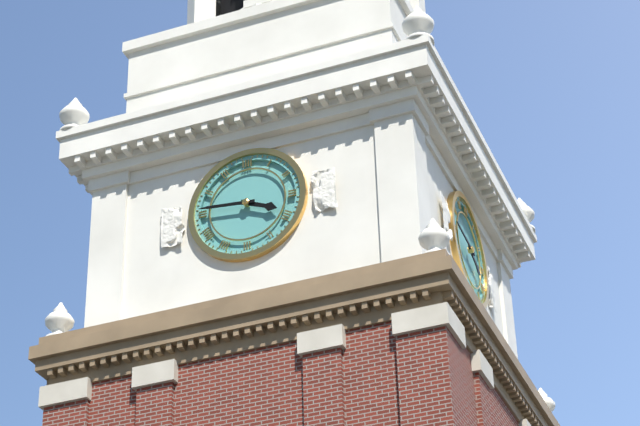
h=3 m=46
